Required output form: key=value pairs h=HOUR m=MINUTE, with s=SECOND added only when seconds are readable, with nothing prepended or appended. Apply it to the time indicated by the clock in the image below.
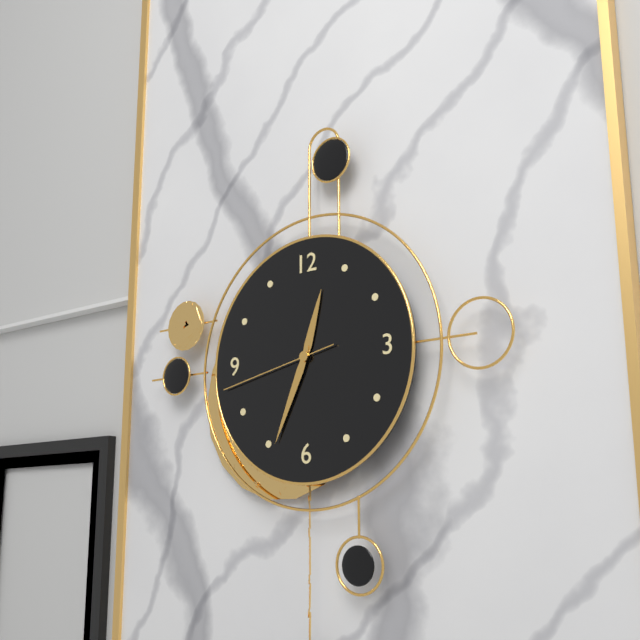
h=12 m=34 s=43
